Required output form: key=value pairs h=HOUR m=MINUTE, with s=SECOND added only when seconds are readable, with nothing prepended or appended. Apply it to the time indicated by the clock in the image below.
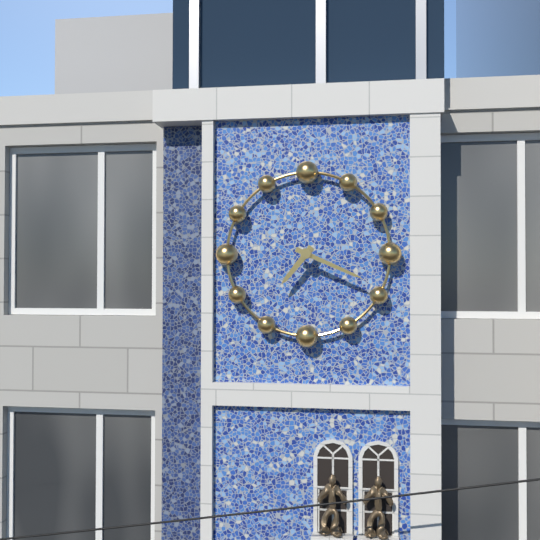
h=7 m=19
